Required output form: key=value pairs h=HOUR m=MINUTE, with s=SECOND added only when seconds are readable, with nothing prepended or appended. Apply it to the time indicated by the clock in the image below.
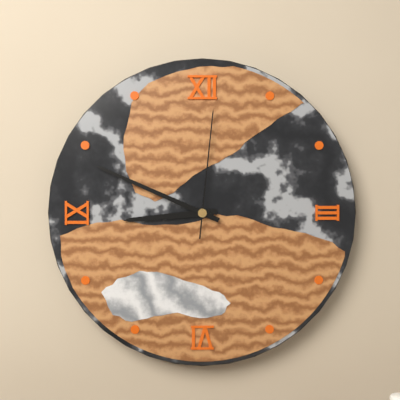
h=8 m=49 s=1
